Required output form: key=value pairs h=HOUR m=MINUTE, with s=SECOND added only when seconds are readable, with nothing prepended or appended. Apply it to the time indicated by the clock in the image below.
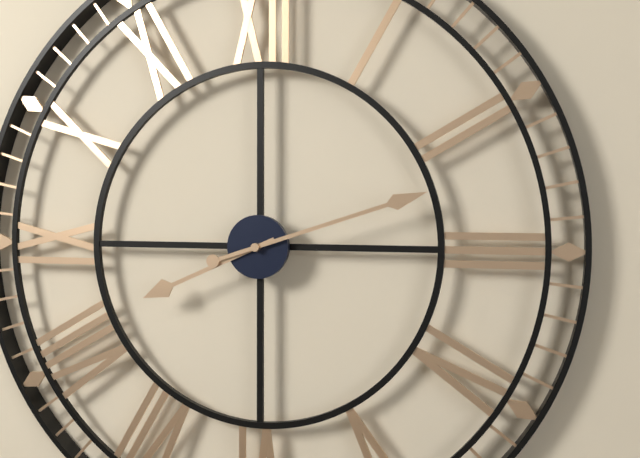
h=8 m=12
